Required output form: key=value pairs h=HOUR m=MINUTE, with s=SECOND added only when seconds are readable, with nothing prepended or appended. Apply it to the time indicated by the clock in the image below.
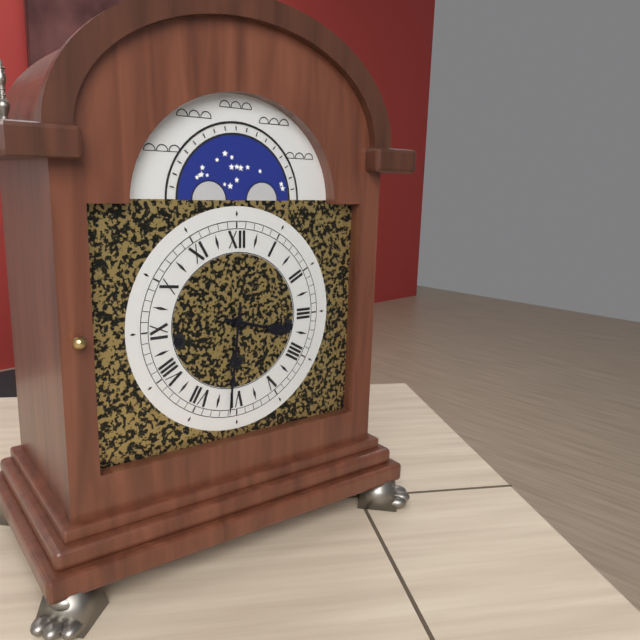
h=3 m=31
